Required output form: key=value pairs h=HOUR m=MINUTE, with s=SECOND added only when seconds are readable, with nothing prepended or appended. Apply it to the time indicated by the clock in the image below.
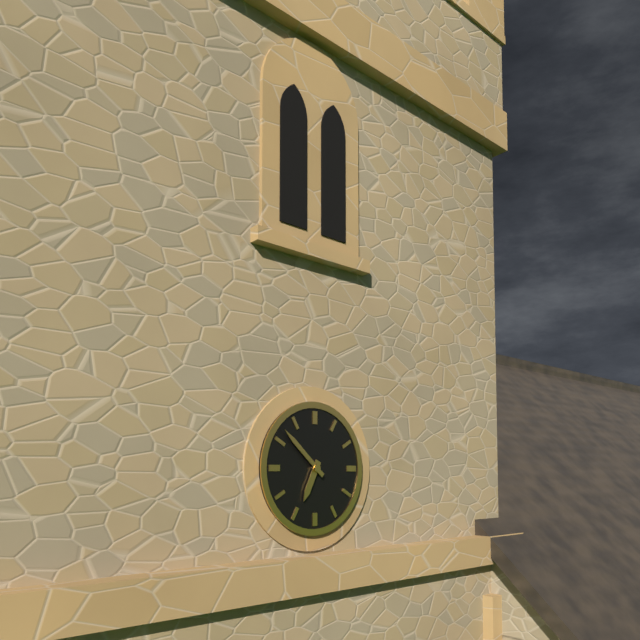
h=6 m=52
